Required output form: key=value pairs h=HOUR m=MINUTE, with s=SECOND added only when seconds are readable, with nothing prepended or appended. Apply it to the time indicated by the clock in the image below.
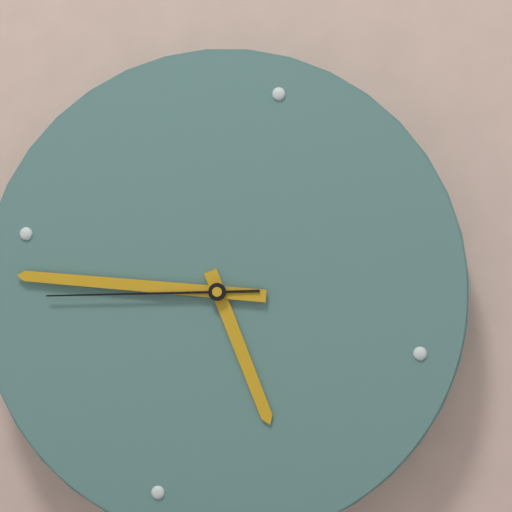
h=4 m=43 s=42
